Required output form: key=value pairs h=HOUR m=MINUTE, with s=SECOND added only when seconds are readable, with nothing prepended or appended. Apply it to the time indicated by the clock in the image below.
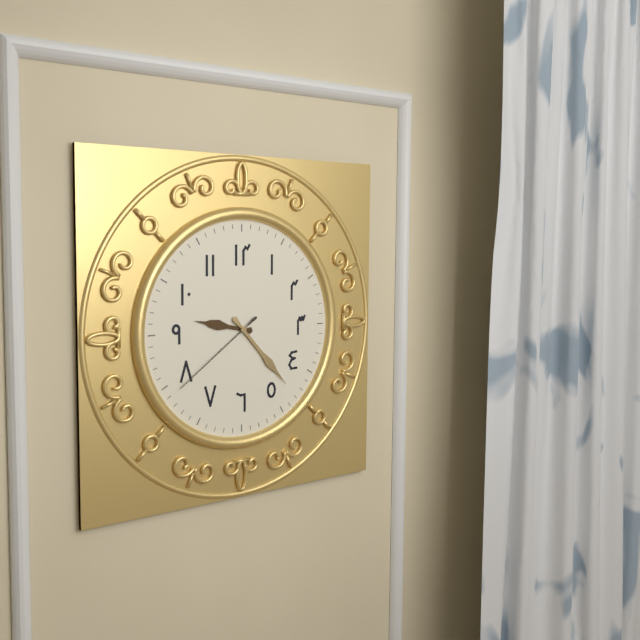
h=9 m=23 s=39
